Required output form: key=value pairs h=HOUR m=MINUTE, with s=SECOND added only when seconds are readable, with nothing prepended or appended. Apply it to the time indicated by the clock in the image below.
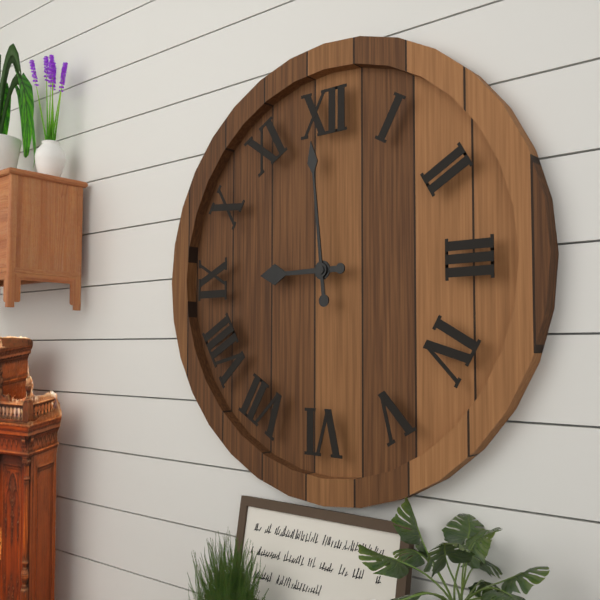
h=8 m=59
